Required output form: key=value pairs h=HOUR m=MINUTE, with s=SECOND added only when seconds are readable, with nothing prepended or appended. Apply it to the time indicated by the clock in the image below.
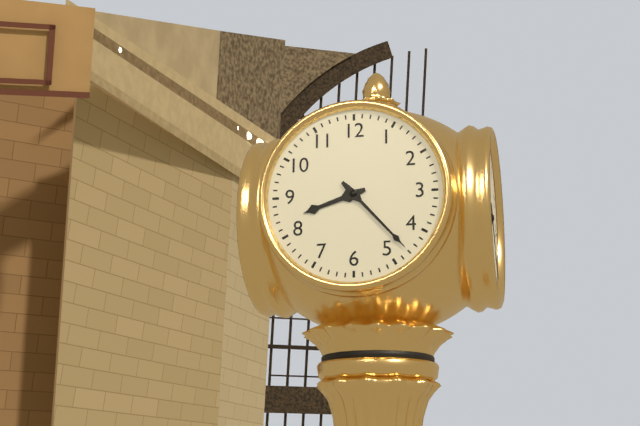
h=8 m=23
